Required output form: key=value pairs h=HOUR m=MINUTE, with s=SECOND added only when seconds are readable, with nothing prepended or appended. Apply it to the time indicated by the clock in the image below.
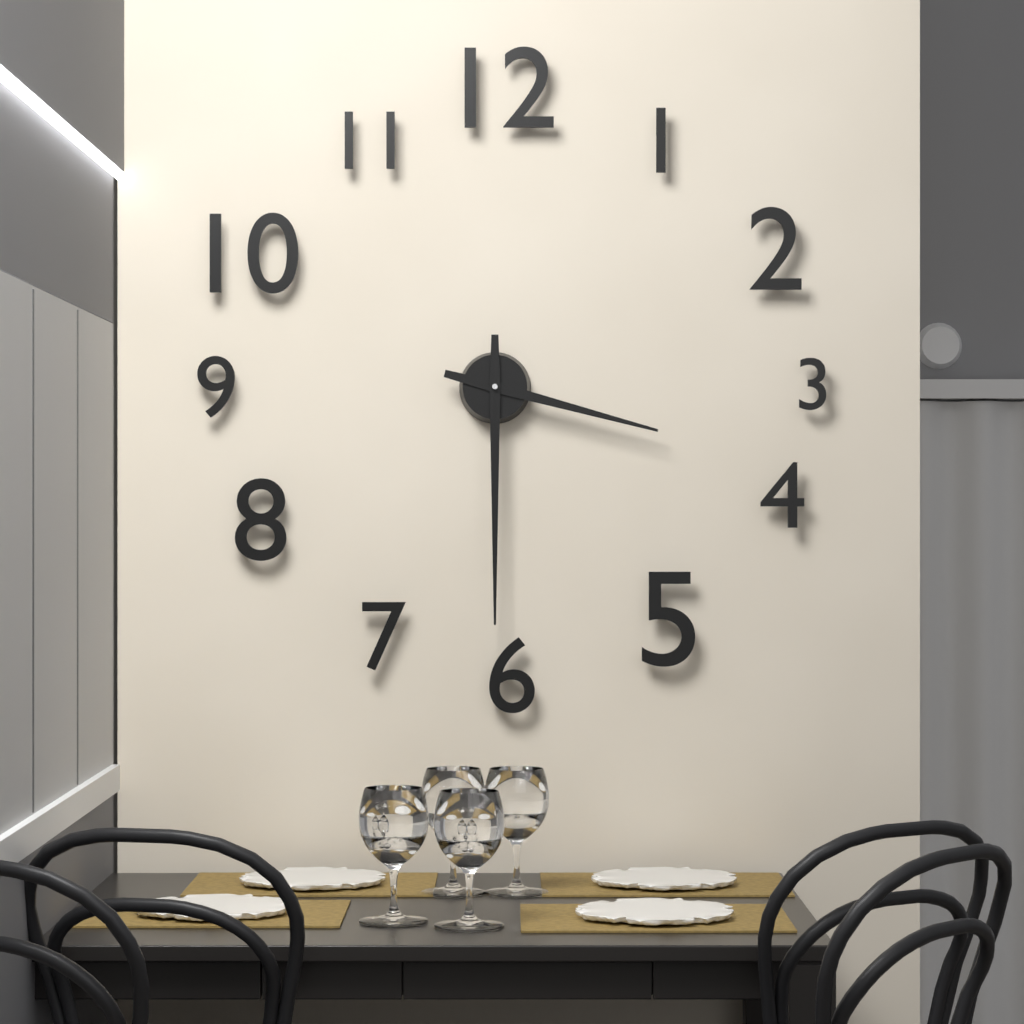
h=3 m=30
